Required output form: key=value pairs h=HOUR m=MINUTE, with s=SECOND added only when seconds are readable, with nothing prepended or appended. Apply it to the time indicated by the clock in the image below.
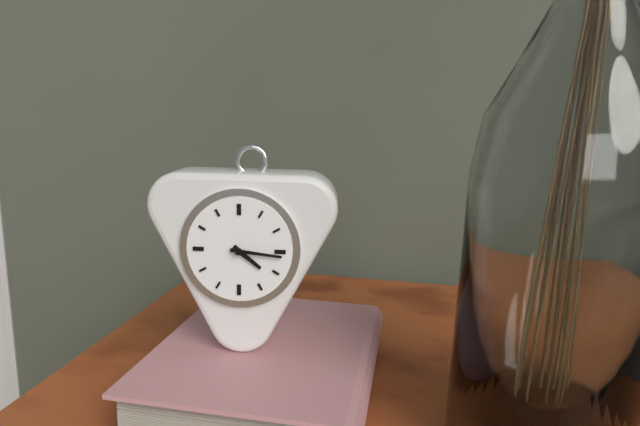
h=4 m=16
